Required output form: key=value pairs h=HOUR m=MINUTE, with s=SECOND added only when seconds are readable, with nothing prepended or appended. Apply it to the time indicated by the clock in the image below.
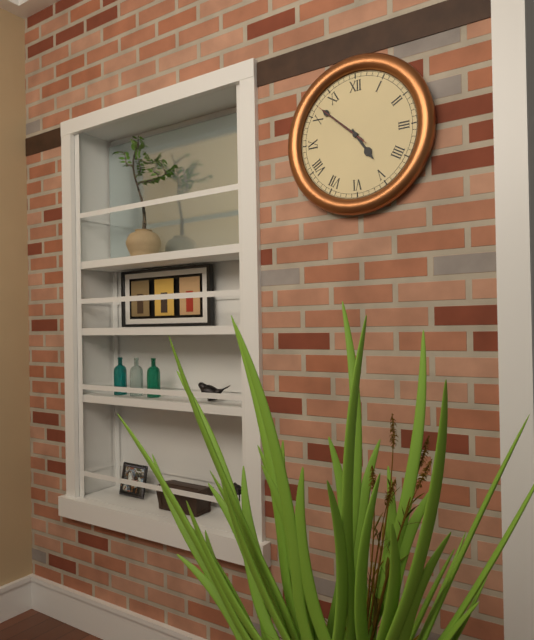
h=4 m=52 s=52
